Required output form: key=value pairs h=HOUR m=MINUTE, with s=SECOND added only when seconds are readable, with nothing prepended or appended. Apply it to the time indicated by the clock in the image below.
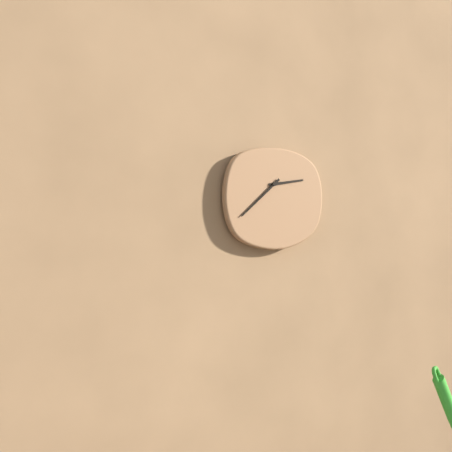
h=2 m=38
